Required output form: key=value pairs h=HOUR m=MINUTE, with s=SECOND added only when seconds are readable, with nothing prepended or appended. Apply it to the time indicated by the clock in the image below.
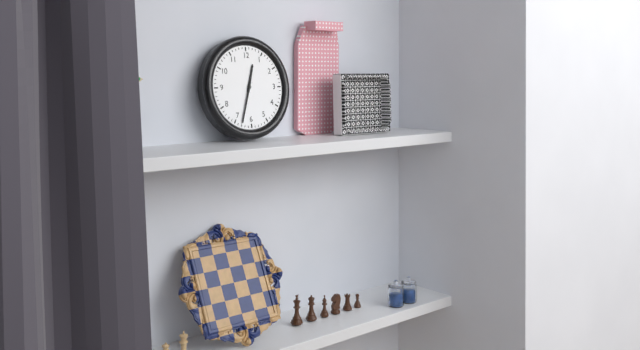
h=12 m=33
